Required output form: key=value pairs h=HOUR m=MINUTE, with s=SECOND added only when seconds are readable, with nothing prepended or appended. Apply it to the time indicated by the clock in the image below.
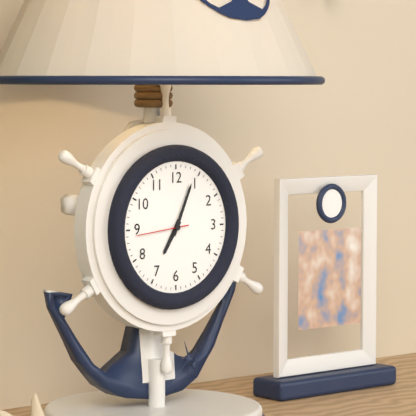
h=7 m=4 s=44
